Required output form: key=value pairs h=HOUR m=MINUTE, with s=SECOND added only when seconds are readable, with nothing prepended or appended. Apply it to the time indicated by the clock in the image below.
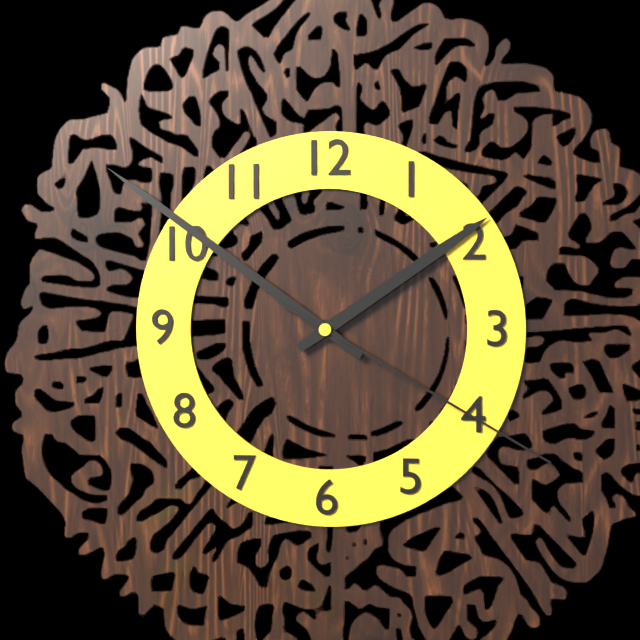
h=1 m=51 s=20
